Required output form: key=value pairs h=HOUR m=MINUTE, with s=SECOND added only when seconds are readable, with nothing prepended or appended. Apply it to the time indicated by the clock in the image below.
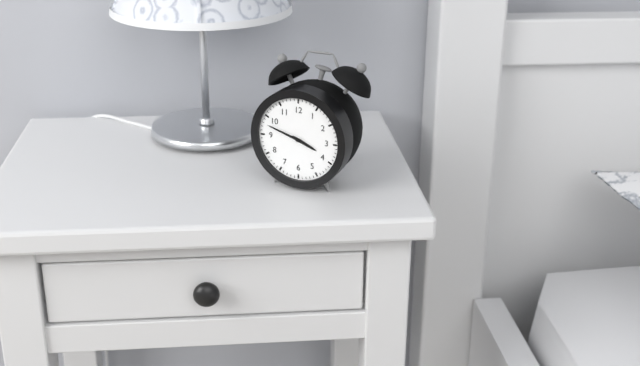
h=3 m=48
